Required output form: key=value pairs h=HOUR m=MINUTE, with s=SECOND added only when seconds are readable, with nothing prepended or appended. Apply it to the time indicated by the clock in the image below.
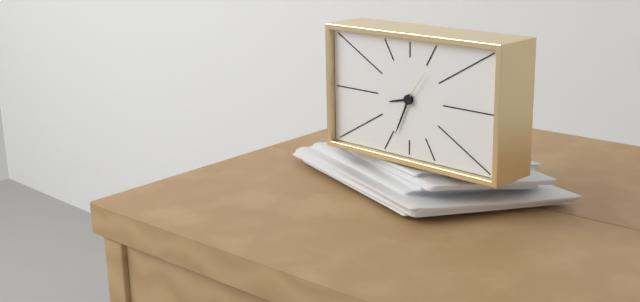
h=8 m=34
